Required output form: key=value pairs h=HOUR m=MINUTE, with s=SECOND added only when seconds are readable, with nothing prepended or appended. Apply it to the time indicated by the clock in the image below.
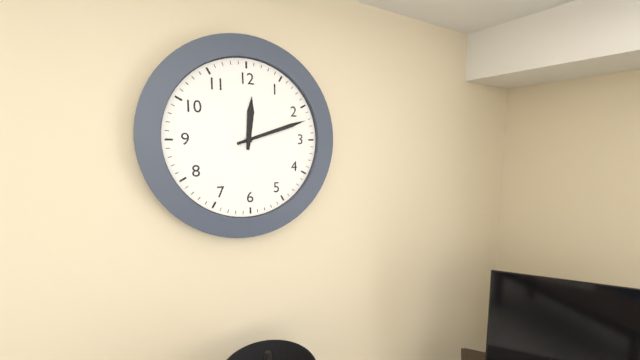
h=12 m=12
